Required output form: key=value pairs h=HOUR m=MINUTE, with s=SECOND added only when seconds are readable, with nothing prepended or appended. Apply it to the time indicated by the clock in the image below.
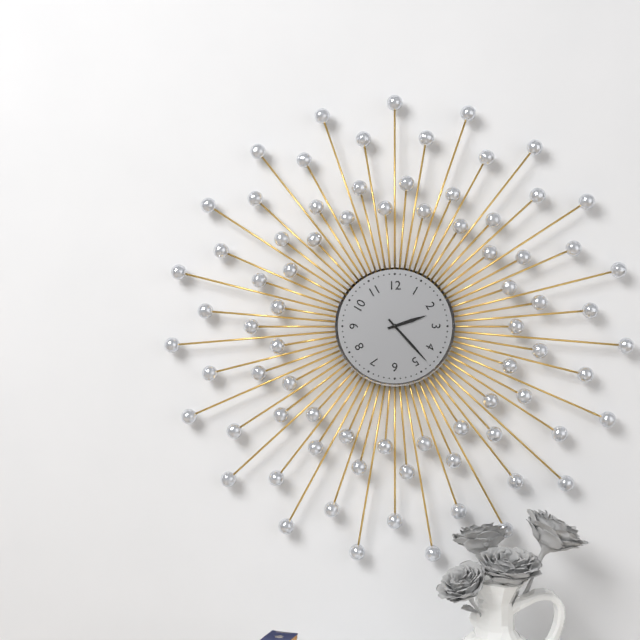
h=2 m=23
